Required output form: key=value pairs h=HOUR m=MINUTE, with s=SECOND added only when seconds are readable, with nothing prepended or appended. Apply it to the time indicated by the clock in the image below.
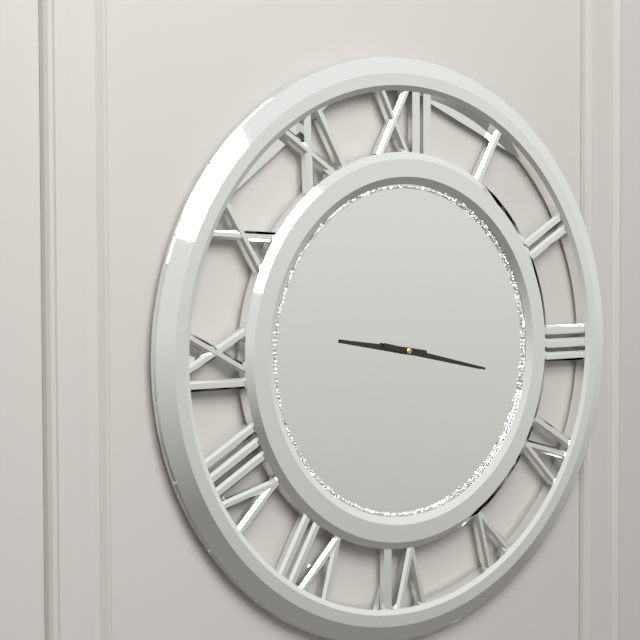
h=9 m=17
